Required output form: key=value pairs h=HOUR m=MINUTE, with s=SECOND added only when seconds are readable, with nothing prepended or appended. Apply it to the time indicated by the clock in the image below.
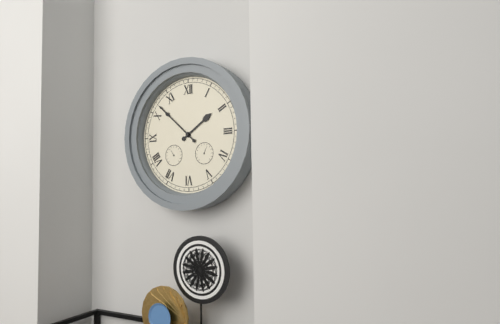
h=1 m=52
